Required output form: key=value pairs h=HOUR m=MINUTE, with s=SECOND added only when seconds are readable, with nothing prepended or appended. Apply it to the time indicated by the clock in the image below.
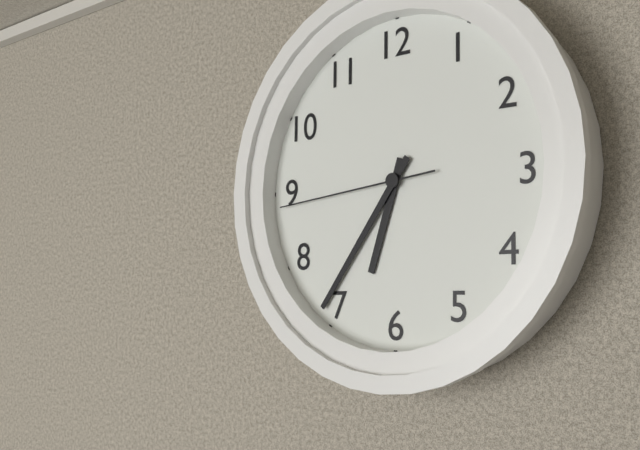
h=6 m=36 s=44
